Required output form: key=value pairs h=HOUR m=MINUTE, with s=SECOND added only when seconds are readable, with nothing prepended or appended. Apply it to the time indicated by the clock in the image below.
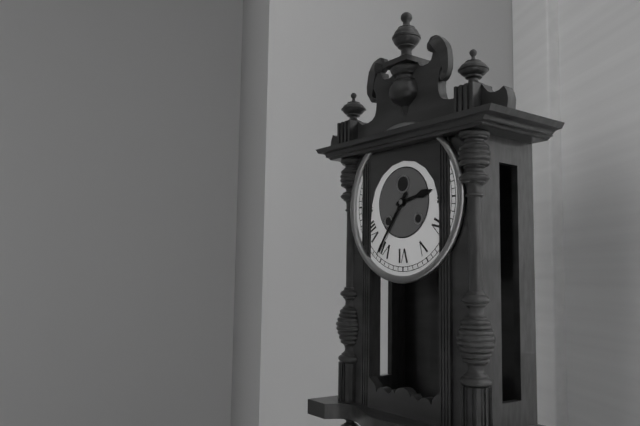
h=2 m=36
